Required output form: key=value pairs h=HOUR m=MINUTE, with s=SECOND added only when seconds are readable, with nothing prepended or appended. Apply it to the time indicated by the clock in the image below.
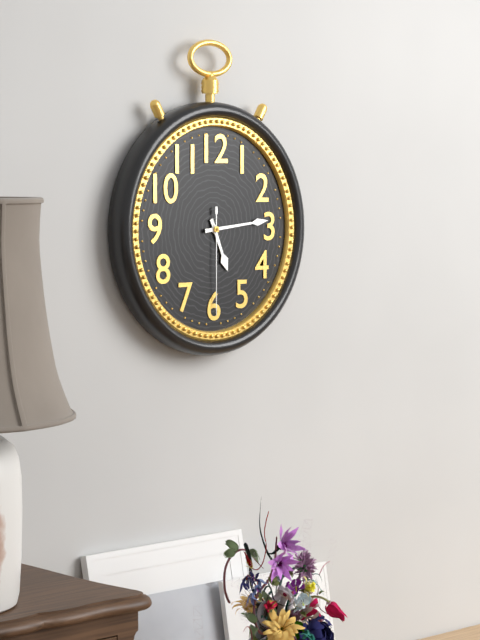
h=5 m=14 s=30
